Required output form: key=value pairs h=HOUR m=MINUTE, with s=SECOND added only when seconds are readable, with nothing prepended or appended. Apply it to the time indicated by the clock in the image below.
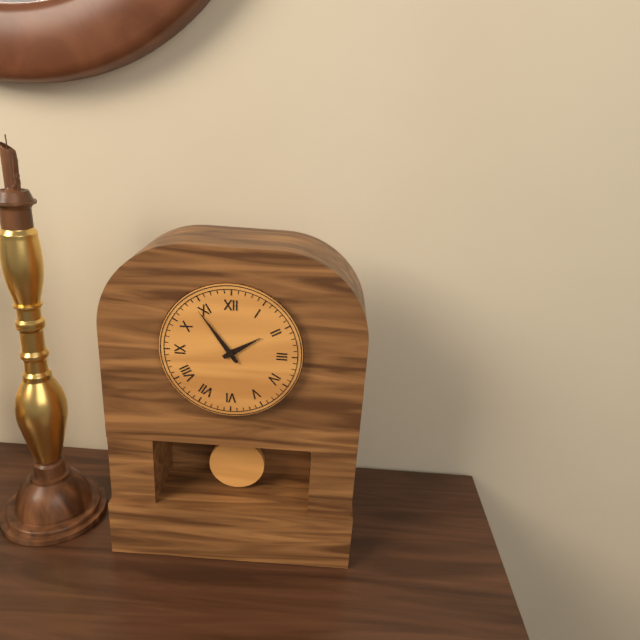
h=1 m=54
